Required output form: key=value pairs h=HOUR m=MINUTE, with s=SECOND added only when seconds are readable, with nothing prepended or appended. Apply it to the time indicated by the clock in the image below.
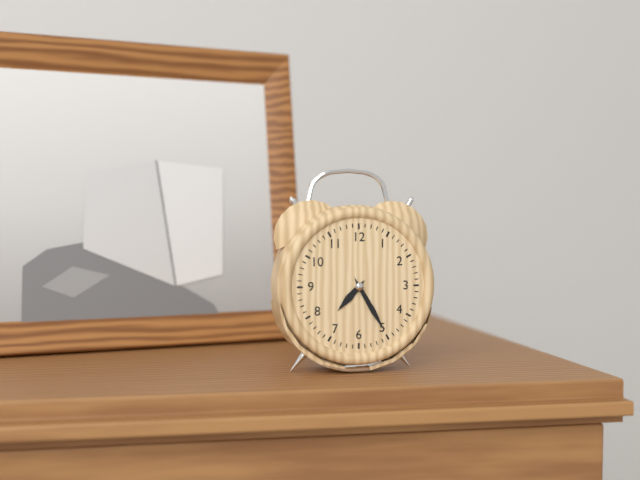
h=7 m=25
